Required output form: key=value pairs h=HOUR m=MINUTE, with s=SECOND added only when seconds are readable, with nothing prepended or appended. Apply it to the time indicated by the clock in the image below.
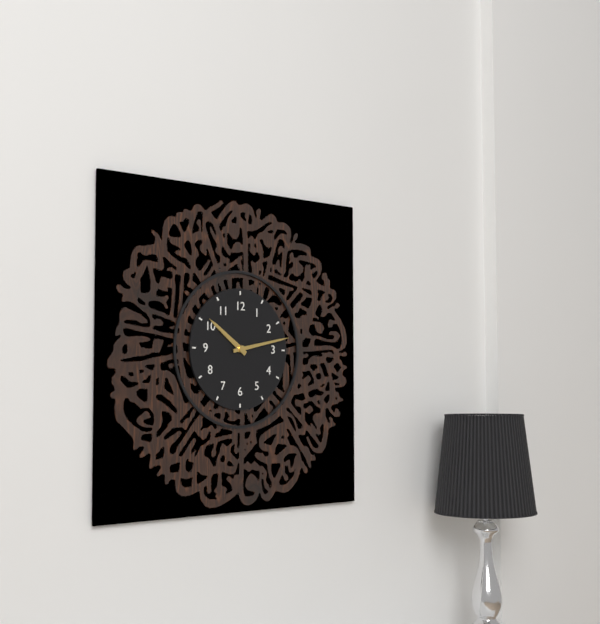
h=10 m=13
